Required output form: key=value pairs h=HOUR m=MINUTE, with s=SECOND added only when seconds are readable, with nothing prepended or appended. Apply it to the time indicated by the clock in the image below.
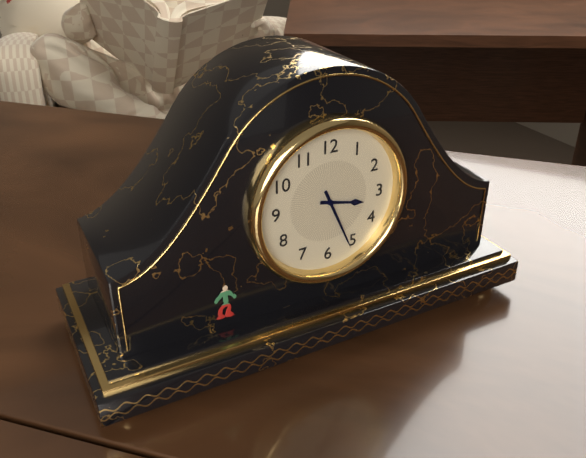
h=3 m=26
